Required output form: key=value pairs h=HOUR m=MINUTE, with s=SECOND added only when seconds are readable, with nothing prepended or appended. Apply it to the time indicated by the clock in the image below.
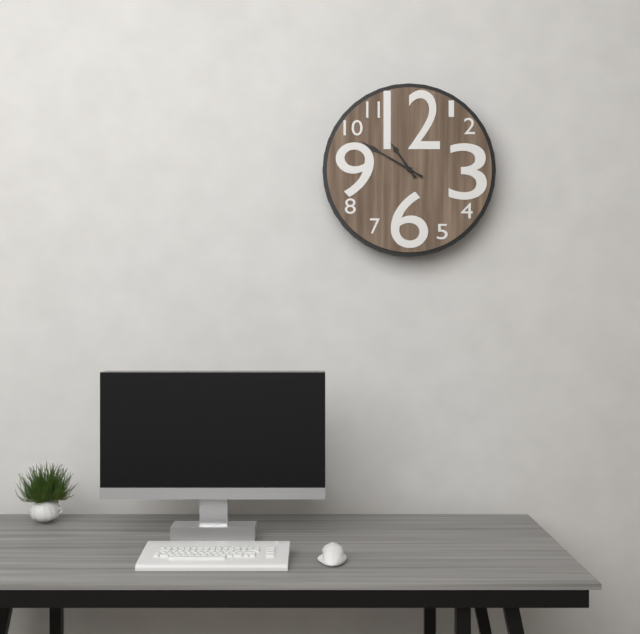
h=10 m=50
